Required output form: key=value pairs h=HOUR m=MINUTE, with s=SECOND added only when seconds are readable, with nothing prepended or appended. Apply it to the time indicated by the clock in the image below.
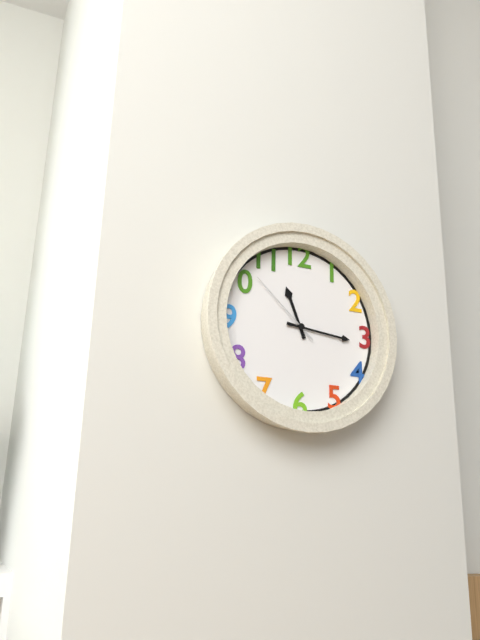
h=11 m=16 s=52
